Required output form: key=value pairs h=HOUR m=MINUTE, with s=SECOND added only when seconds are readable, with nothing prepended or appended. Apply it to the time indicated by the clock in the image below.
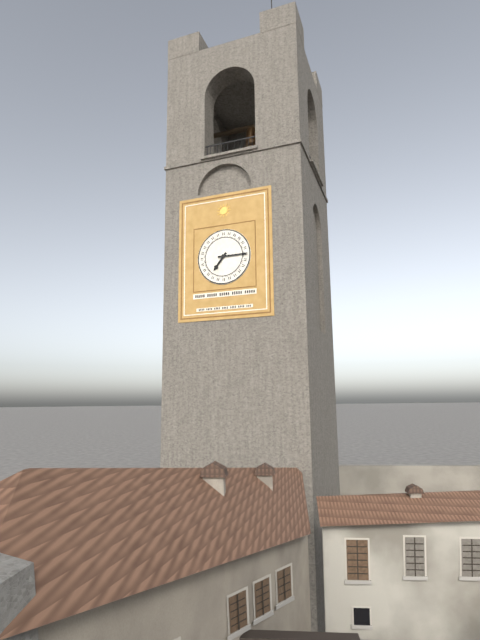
h=7 m=15
